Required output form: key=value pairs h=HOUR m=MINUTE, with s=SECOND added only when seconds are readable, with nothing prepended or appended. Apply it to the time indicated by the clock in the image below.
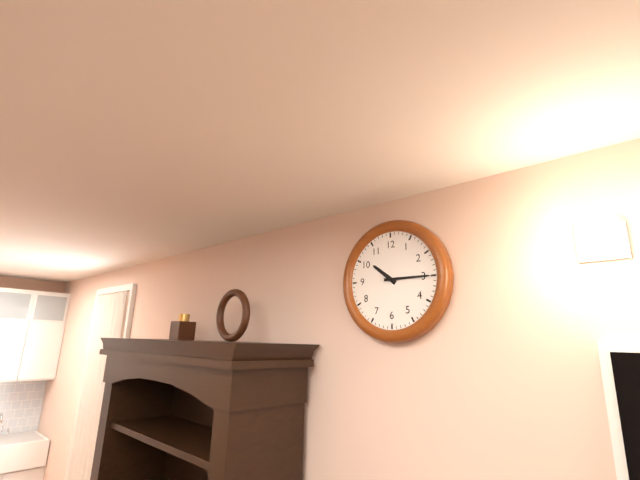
h=10 m=15
